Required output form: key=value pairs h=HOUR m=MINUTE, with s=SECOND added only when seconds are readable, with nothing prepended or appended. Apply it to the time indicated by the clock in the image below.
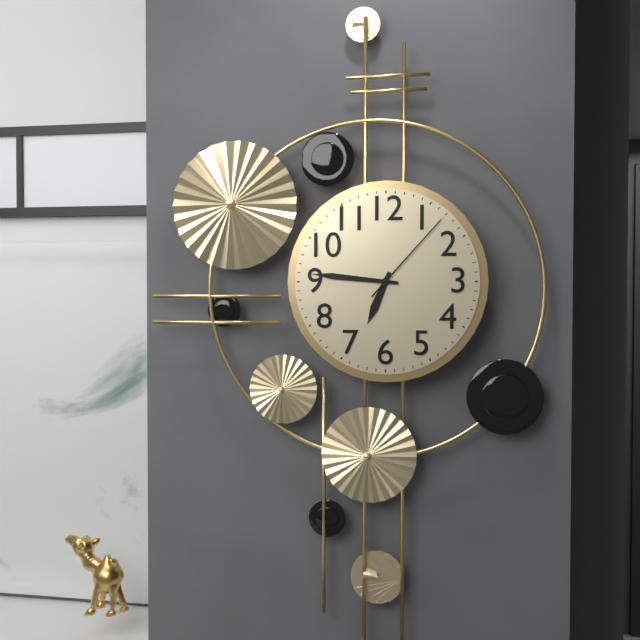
h=6 m=46 s=7
